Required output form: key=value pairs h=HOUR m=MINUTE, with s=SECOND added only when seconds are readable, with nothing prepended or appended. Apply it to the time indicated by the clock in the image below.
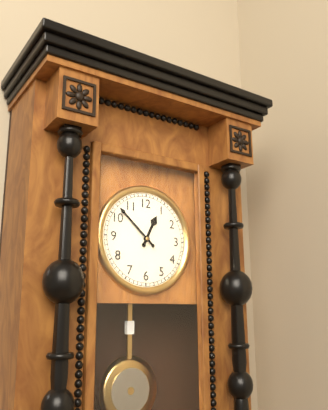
h=12 m=52
